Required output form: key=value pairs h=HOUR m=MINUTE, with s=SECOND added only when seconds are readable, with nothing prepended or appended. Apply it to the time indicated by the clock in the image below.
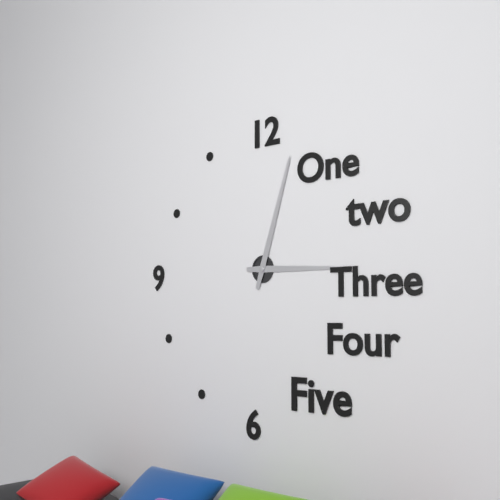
h=3 m=3
